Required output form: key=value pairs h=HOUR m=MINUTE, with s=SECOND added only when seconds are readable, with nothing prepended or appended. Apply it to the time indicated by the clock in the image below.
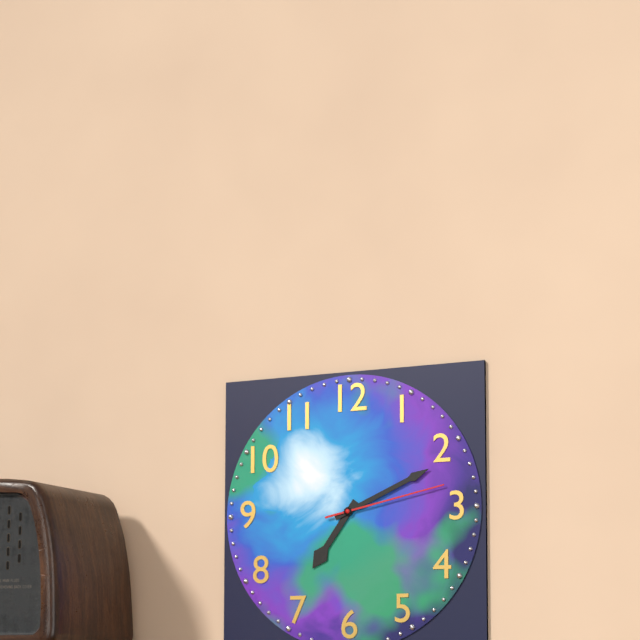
h=7 m=11 s=13
